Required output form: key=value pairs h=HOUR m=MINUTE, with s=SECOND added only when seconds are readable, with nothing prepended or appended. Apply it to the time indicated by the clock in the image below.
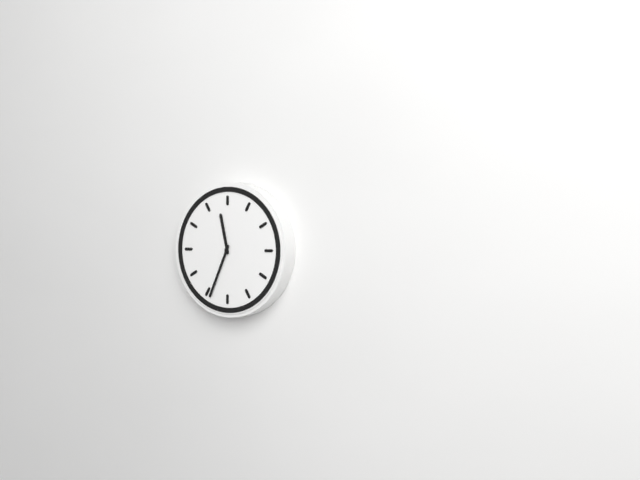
h=11 m=34
